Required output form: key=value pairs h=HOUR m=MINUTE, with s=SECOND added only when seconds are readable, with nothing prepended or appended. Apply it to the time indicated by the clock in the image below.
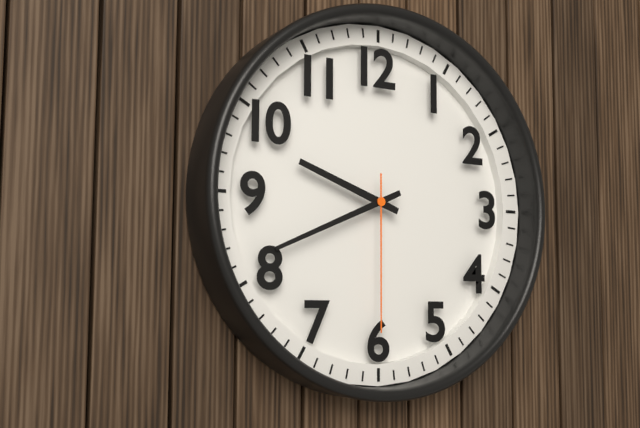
h=9 m=41 s=30
